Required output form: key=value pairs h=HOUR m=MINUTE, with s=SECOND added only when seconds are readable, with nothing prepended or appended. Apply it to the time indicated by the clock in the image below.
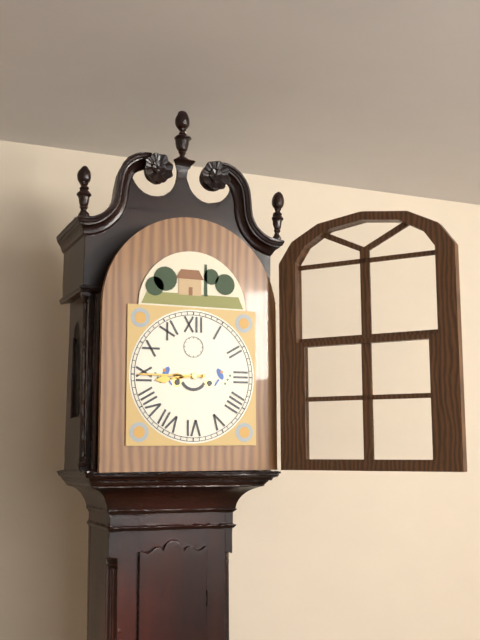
h=8 m=45
